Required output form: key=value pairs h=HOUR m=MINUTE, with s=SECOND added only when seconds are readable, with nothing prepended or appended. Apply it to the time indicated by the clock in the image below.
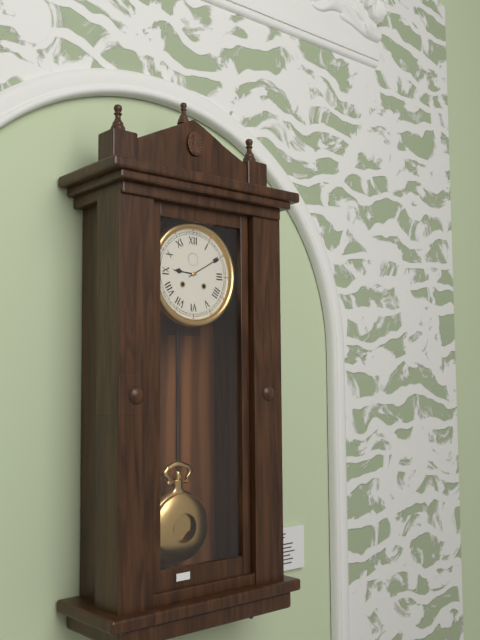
h=9 m=10
